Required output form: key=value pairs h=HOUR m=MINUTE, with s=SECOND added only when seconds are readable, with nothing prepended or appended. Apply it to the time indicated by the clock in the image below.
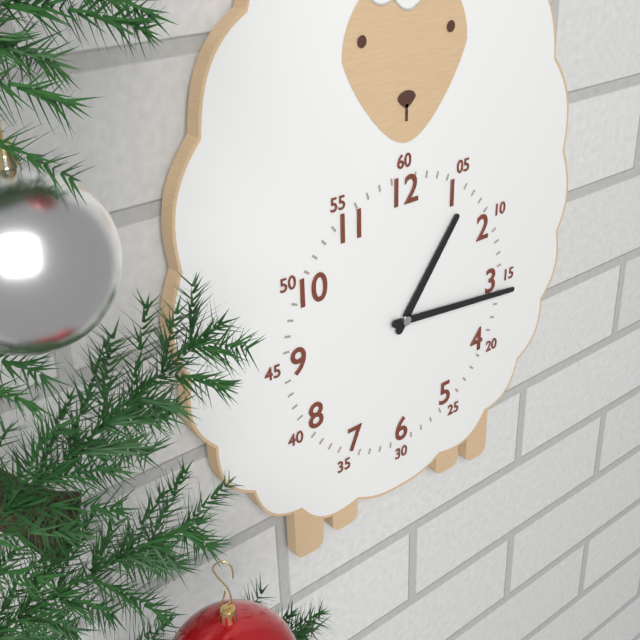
h=1 m=16
